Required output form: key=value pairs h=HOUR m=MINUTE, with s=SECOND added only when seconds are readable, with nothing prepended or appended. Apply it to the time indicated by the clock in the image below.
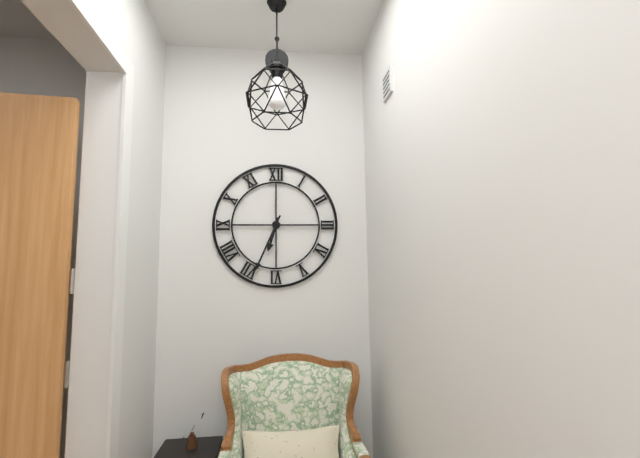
h=6 m=34
